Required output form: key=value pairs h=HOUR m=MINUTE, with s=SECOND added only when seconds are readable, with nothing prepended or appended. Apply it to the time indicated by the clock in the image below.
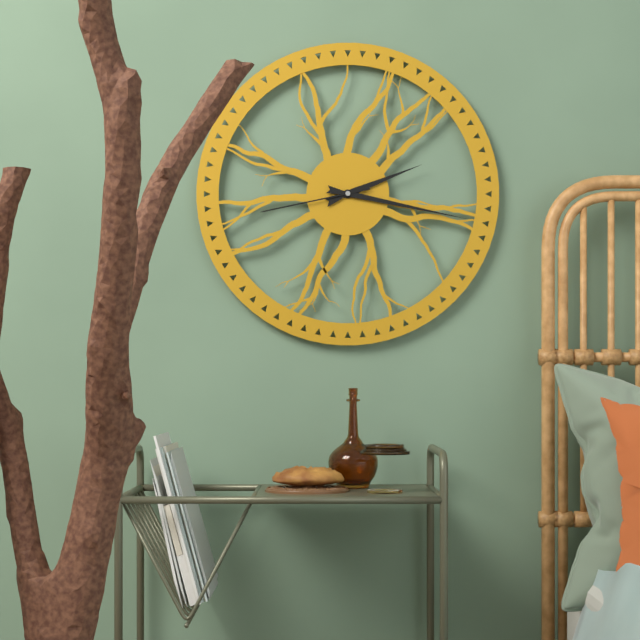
h=2 m=17 s=43
